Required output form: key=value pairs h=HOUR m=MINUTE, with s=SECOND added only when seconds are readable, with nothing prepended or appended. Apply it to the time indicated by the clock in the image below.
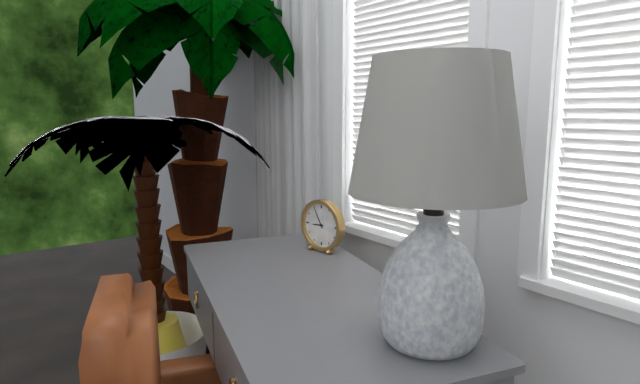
h=8 m=55
